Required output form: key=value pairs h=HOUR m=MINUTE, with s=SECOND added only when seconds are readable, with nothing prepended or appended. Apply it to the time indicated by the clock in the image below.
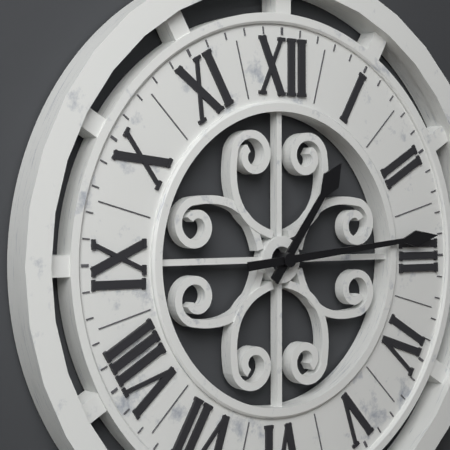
h=1 m=14
